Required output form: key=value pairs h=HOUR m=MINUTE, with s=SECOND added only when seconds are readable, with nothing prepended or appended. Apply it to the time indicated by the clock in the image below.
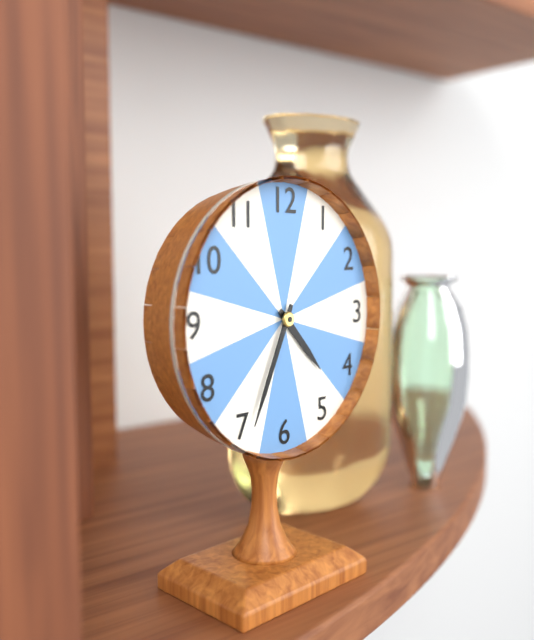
h=4 m=34
